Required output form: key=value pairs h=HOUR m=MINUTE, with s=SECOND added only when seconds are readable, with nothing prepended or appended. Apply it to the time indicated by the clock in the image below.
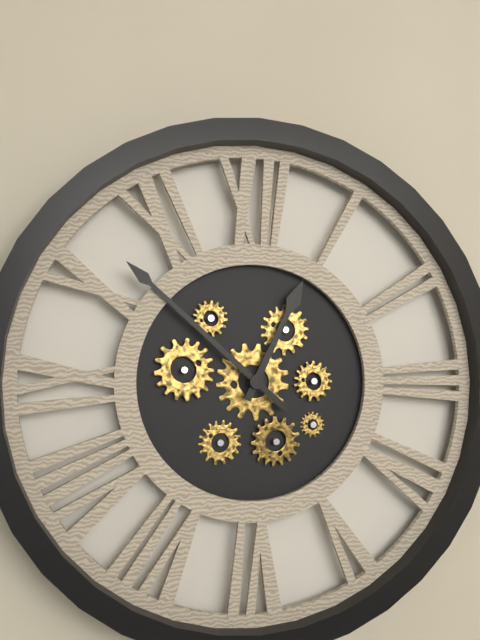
h=12 m=52
